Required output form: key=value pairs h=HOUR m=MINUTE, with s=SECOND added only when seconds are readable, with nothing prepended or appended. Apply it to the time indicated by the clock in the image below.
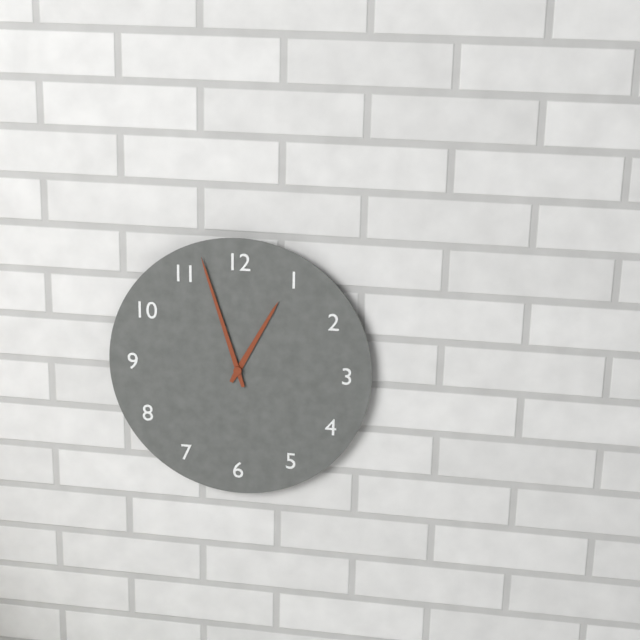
h=12 m=57
